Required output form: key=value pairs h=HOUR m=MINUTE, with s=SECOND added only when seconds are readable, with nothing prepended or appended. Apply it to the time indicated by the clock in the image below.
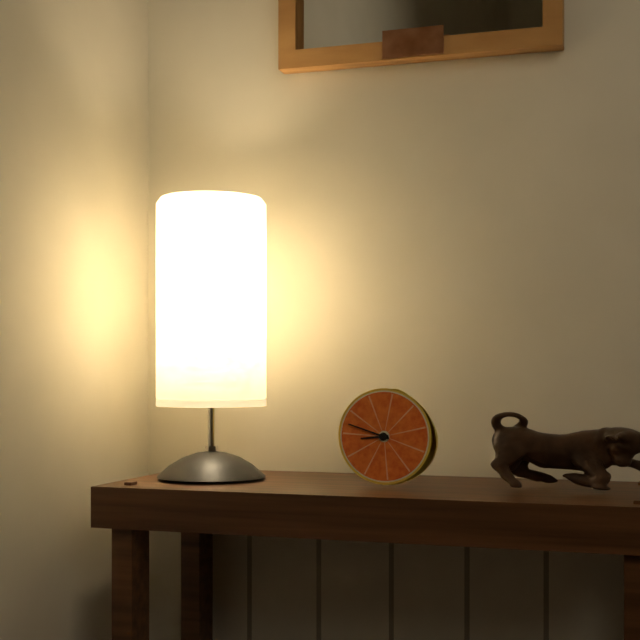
h=8 m=48
